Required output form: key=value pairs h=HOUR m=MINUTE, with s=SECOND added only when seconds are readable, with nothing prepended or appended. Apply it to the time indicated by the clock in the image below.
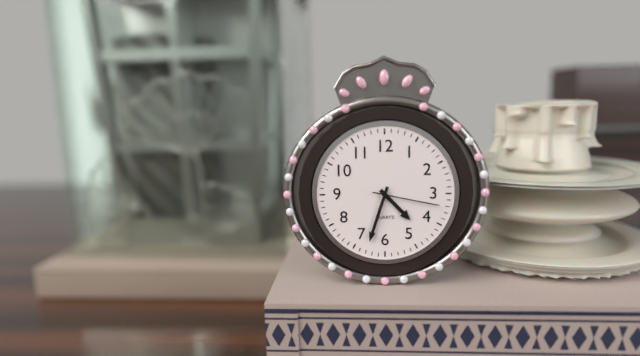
h=4 m=33 s=17
